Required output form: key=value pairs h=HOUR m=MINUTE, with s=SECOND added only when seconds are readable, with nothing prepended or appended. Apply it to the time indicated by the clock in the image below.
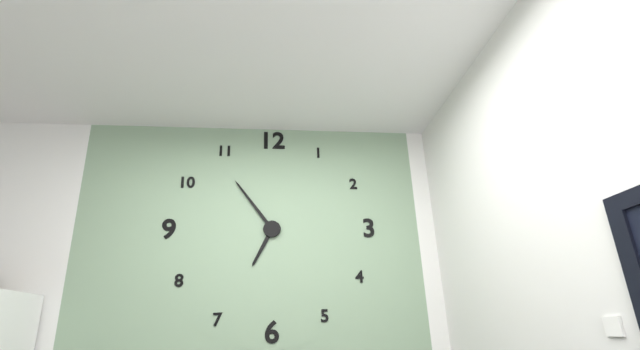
h=6 m=54
